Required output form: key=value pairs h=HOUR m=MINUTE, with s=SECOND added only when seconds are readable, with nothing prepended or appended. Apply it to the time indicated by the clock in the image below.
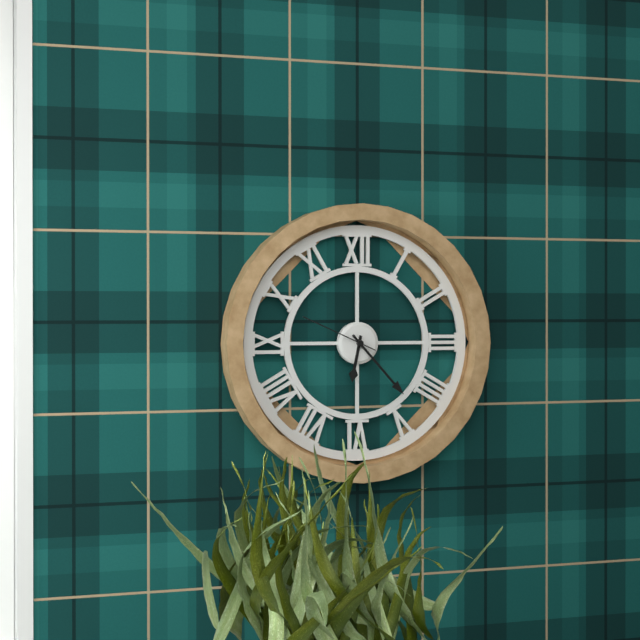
h=6 m=23 s=49
